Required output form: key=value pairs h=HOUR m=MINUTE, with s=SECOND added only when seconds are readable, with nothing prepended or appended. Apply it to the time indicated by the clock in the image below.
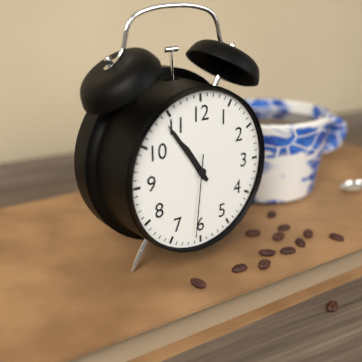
h=10 m=54 s=31
